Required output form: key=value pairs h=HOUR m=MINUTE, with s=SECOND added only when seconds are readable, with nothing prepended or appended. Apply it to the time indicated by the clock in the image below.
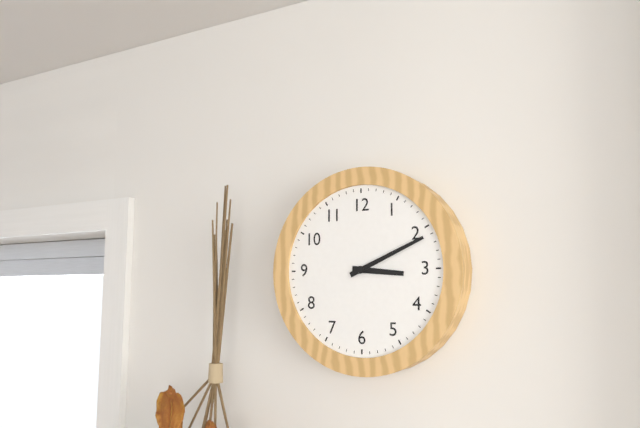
h=3 m=11
